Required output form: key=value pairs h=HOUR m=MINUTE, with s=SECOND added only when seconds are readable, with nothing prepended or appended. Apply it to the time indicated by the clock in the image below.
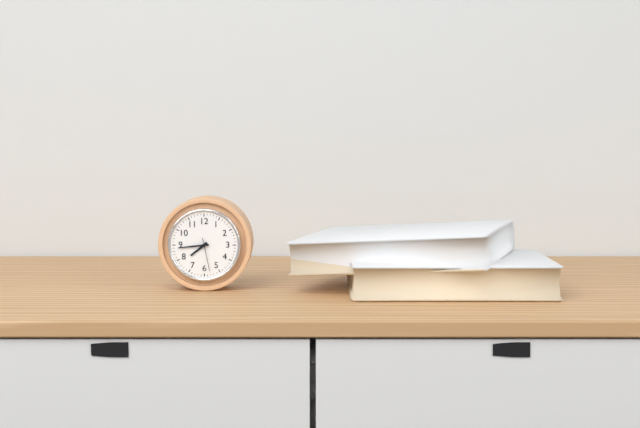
h=7 m=44
